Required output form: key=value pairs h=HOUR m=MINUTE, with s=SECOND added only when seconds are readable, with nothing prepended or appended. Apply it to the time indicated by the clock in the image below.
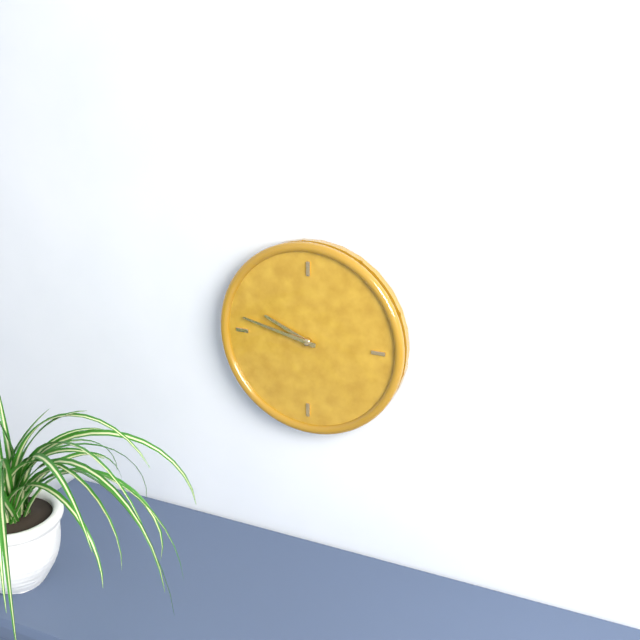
h=9 m=47
